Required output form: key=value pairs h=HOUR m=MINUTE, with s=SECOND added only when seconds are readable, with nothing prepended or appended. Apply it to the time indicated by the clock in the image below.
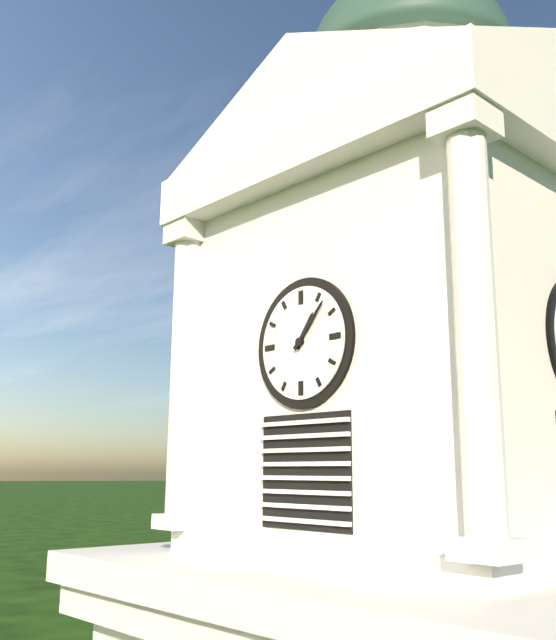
h=1 m=7
